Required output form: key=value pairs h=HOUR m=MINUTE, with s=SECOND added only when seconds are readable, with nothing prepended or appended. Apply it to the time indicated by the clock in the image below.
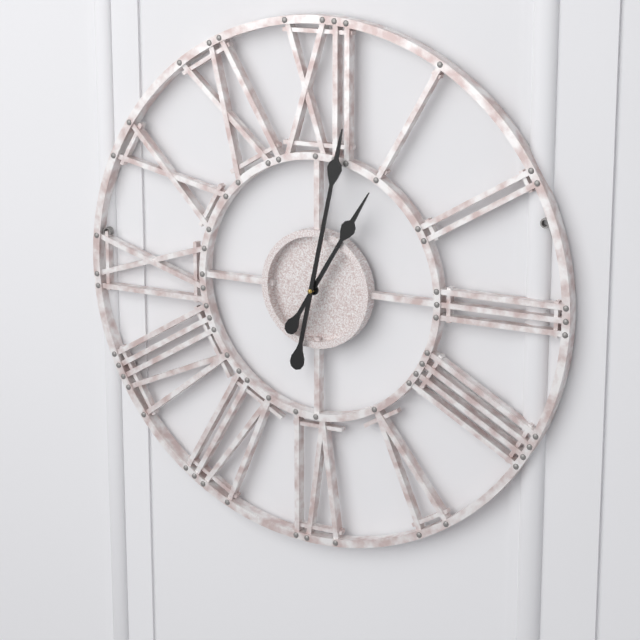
h=1 m=2
